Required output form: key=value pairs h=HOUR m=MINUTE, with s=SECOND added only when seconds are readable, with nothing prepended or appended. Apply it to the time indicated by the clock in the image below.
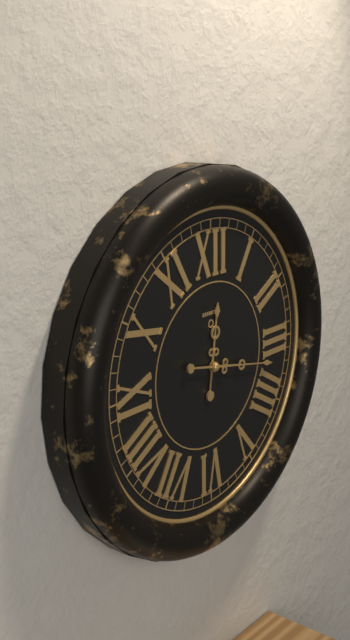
h=12 m=17
